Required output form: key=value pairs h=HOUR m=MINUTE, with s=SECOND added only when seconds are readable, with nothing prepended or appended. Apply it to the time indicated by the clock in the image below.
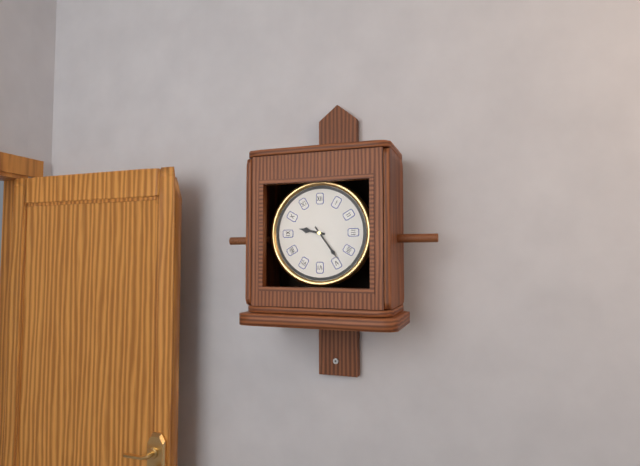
h=9 m=24
